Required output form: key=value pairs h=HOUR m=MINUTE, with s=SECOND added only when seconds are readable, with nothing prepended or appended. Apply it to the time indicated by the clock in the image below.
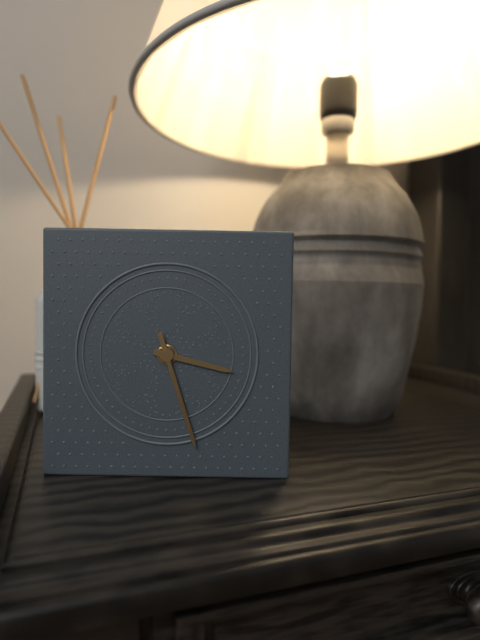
h=3 m=27
